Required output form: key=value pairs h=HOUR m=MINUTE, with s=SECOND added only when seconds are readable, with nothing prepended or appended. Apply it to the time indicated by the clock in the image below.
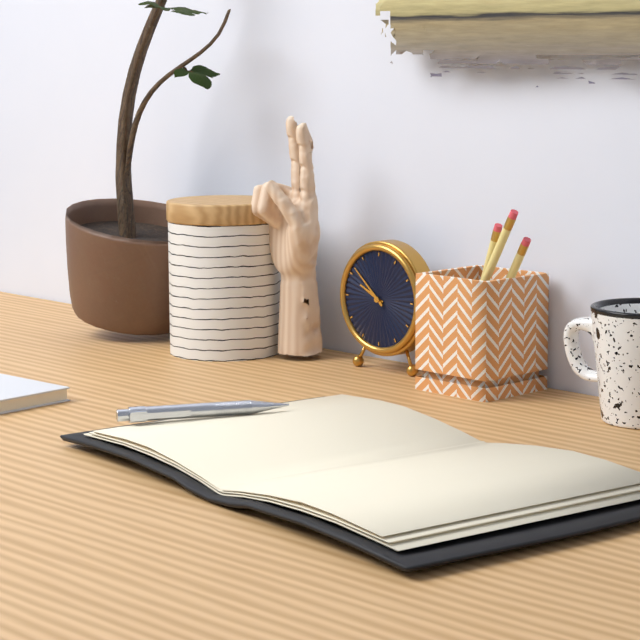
h=9 m=52
